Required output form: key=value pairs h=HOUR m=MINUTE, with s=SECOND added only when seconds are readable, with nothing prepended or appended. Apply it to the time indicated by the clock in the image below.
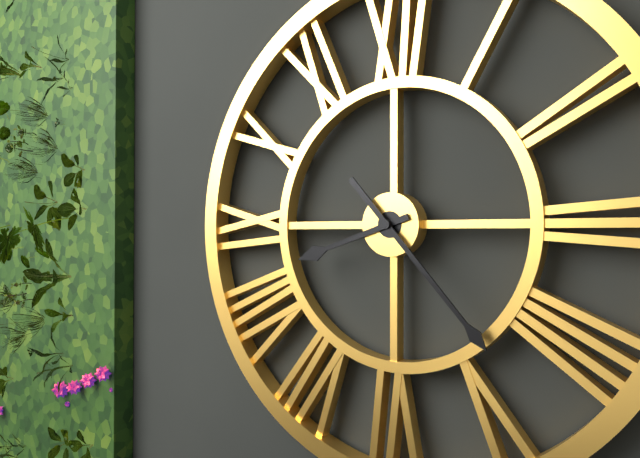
h=8 m=23
